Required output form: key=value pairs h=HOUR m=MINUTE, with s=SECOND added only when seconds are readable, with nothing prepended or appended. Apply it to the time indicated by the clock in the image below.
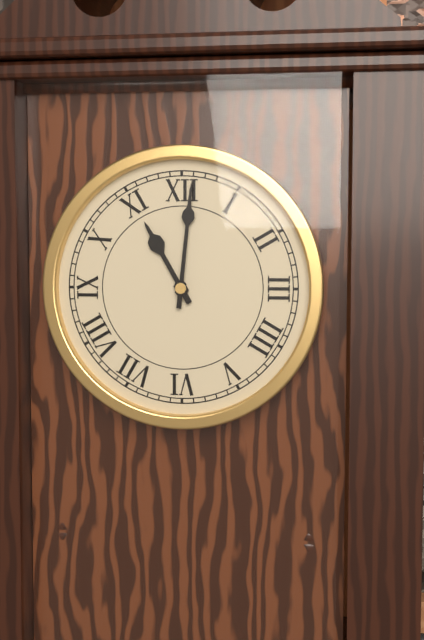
h=11 m=1
